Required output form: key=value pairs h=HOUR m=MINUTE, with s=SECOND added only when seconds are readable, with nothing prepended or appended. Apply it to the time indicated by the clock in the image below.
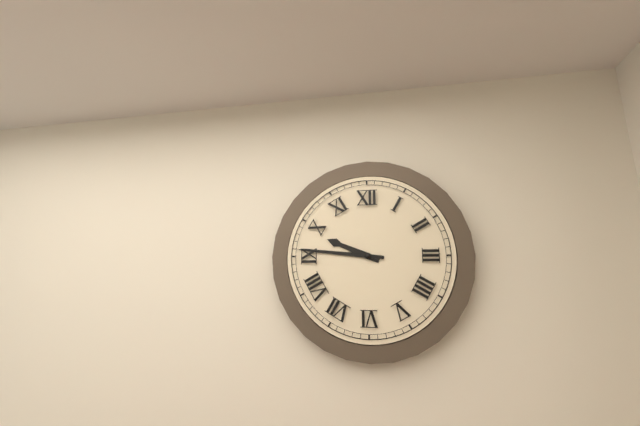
h=9 m=46
